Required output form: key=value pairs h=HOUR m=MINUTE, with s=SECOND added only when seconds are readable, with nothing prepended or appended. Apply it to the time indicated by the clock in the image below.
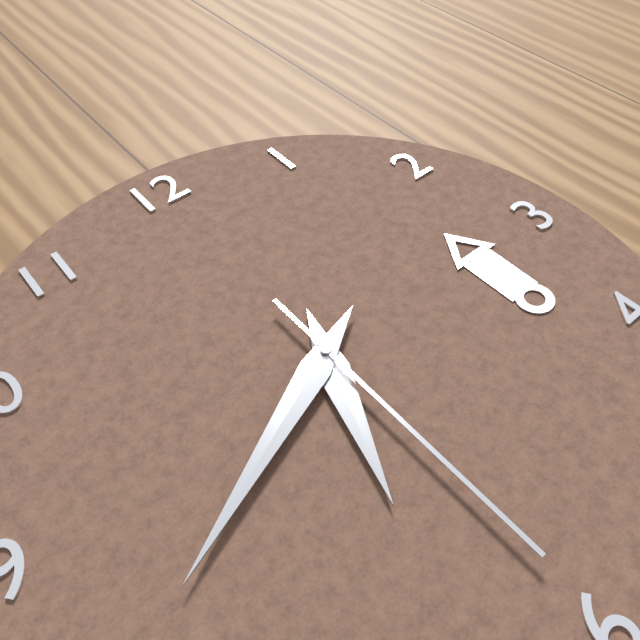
h=6 m=41 s=30
